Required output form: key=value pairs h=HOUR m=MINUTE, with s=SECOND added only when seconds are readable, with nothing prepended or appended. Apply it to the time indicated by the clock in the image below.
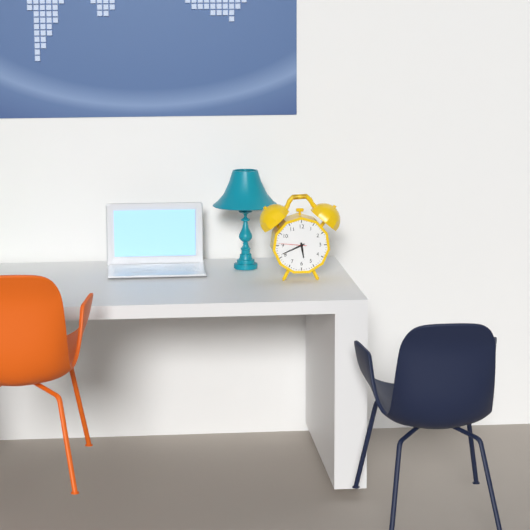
h=5 m=41
